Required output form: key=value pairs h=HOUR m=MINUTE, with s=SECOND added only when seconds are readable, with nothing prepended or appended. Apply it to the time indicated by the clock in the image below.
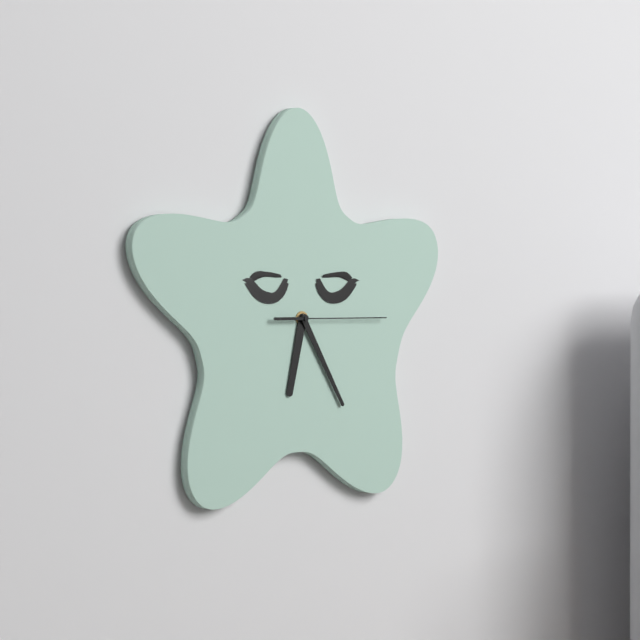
h=6 m=25 s=15
